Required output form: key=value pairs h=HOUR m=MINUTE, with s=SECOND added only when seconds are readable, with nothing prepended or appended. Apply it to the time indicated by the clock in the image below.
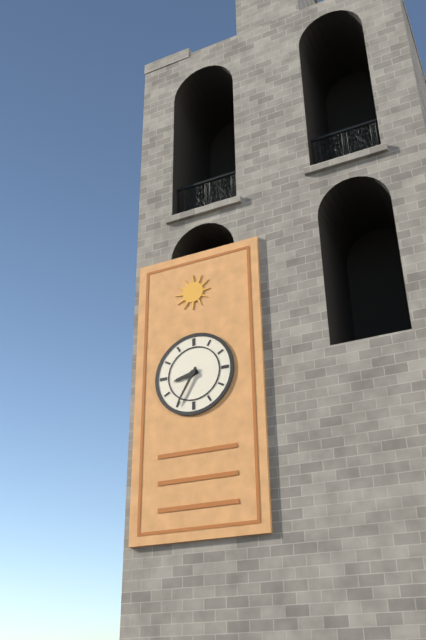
h=8 m=35
